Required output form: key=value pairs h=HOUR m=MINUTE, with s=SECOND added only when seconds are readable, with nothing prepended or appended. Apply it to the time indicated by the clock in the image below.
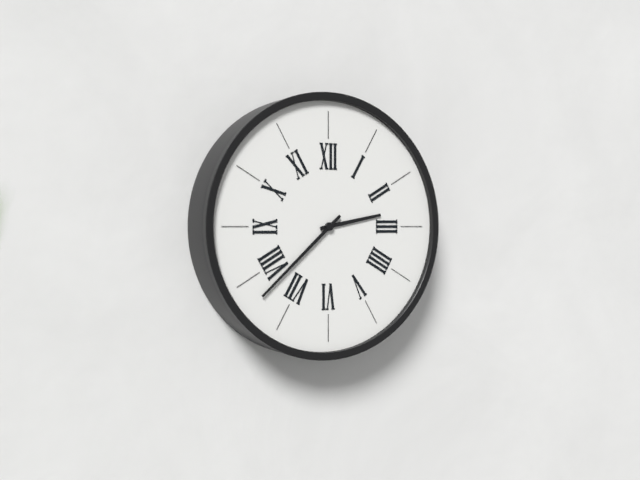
h=2 m=38
